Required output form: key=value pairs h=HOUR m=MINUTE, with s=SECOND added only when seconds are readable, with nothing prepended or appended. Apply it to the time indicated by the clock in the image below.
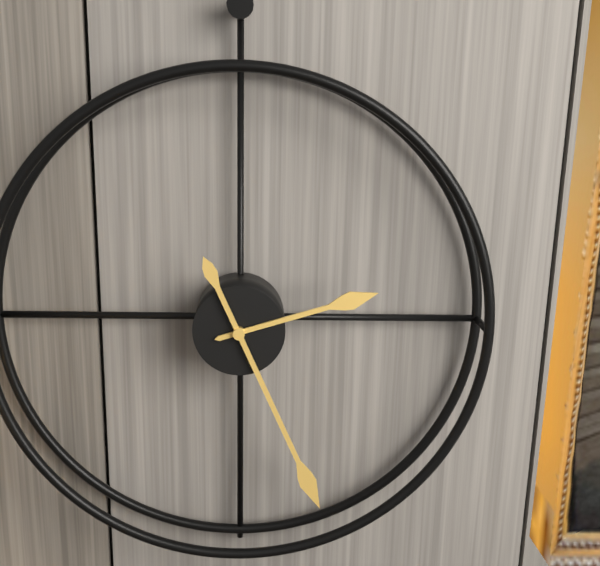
h=2 m=26
